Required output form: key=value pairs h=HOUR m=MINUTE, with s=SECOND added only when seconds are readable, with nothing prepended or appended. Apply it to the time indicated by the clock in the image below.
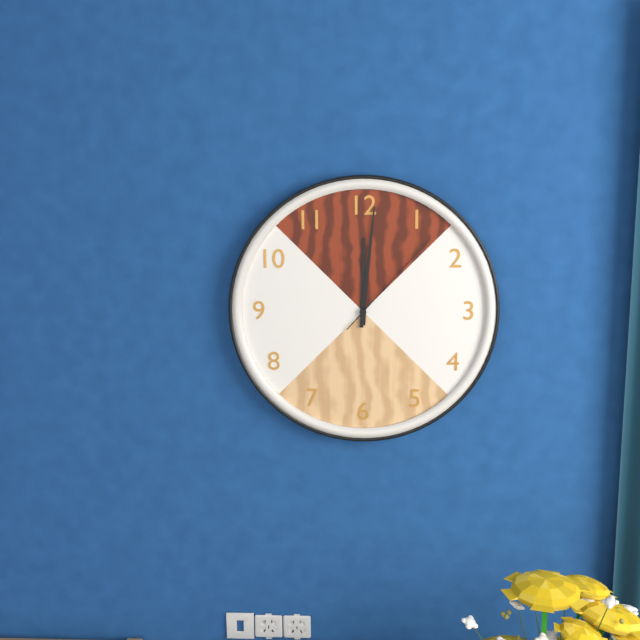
h=12 m=1 s=7
